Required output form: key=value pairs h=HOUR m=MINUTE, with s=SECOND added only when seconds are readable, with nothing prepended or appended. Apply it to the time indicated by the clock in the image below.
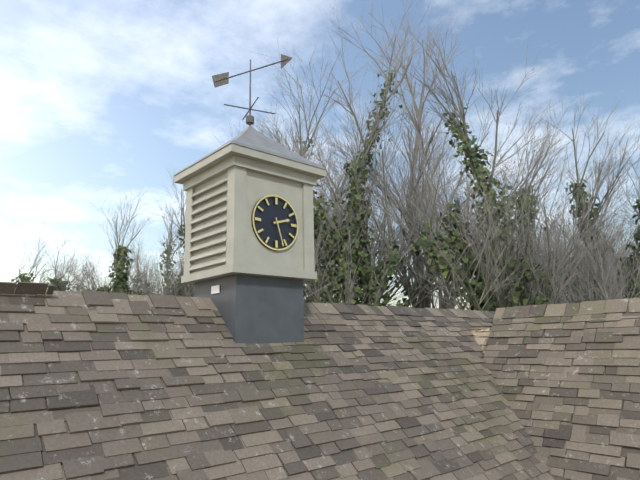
h=2 m=27
